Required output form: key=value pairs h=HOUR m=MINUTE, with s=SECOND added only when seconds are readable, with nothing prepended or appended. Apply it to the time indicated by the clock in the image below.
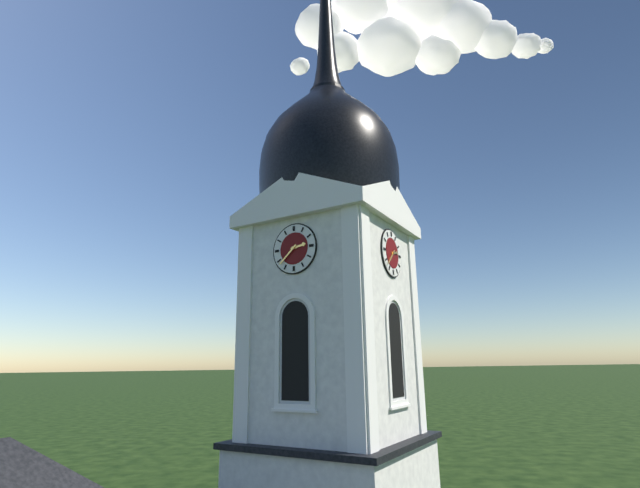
h=2 m=38
